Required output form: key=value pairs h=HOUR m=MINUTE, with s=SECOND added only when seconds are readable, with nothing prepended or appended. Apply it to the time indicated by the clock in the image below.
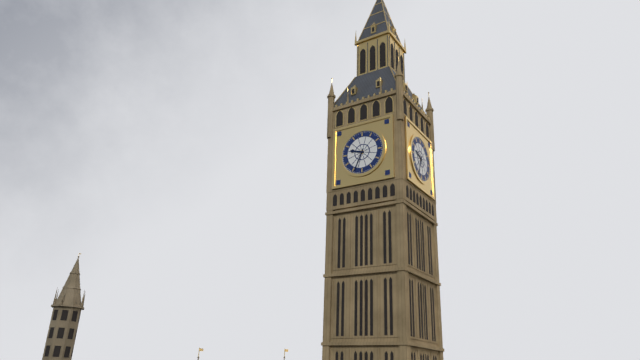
h=9 m=34
